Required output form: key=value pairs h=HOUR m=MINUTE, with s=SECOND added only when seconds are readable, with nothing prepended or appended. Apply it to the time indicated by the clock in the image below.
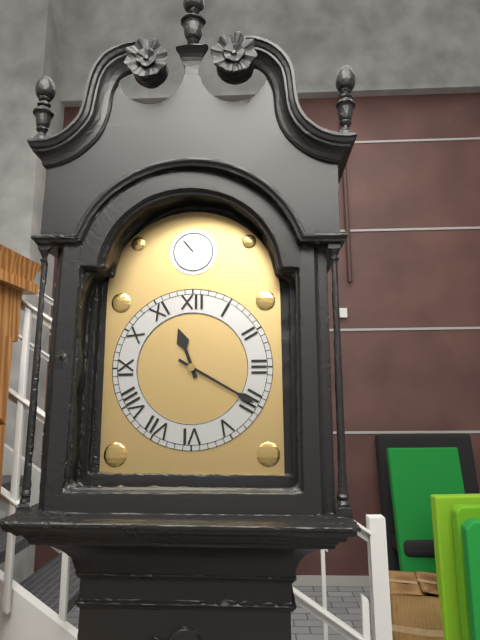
h=11 m=20
